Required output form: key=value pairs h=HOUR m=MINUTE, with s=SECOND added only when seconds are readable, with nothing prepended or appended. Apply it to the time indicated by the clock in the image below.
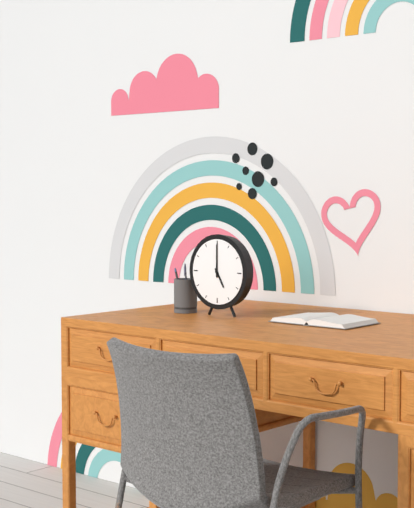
h=5 m=0
